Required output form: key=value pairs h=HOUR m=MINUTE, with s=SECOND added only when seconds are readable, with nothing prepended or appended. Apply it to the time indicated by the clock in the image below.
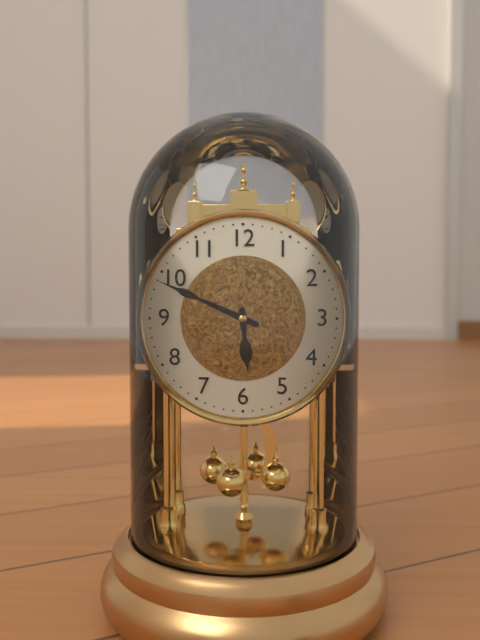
h=5 m=49
